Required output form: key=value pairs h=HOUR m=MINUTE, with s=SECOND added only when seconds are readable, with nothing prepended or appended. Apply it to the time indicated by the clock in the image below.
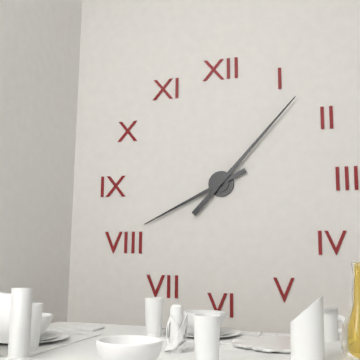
h=8 m=7
